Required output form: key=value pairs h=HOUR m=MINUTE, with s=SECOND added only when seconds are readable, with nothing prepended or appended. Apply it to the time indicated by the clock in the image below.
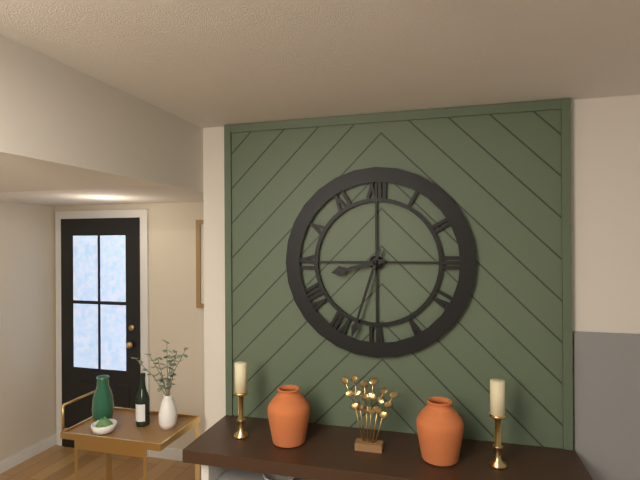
h=8 m=33
